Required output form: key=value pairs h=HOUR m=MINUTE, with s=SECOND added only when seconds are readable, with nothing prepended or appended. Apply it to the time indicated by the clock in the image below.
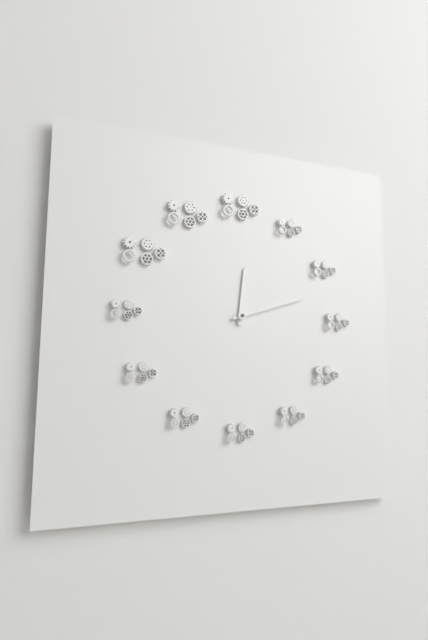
h=12 m=12
